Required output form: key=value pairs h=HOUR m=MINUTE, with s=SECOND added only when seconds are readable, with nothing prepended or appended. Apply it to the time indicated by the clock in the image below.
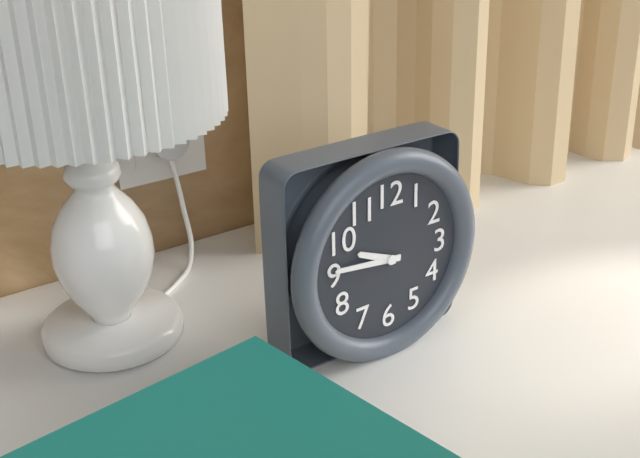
h=9 m=46
